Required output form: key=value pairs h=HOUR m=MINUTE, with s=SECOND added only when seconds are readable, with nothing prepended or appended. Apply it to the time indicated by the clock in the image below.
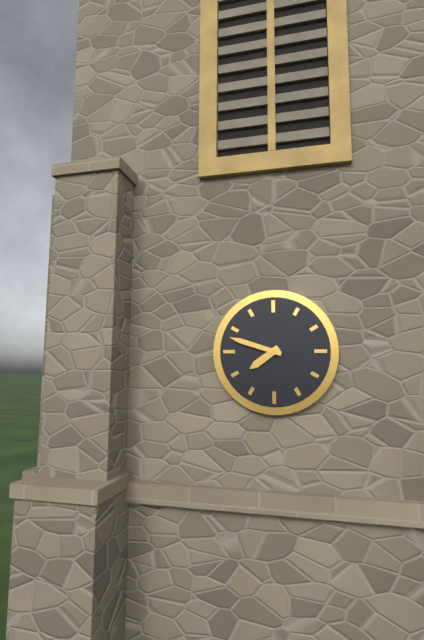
h=7 m=48
